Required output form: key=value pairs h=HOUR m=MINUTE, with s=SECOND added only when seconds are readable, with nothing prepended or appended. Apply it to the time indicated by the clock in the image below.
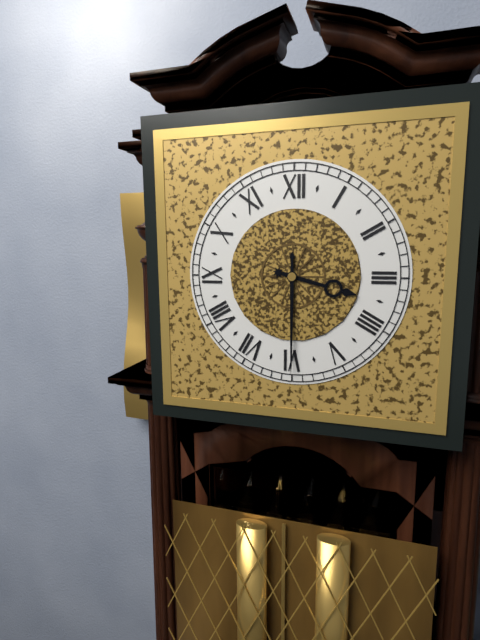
h=3 m=30
